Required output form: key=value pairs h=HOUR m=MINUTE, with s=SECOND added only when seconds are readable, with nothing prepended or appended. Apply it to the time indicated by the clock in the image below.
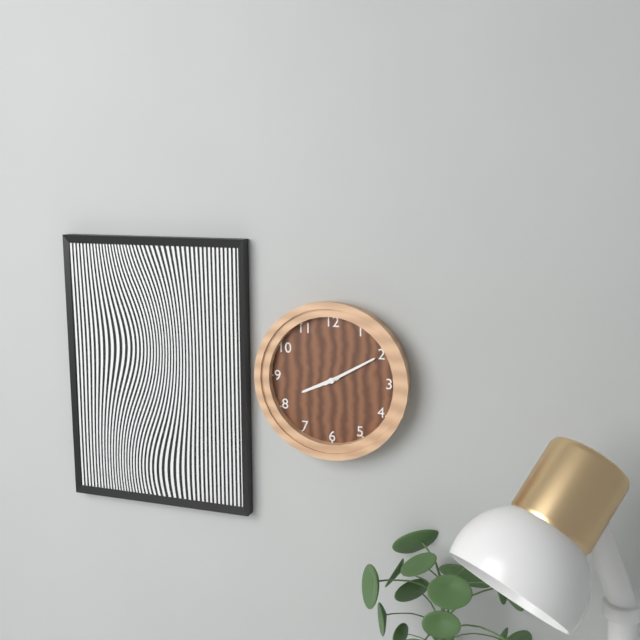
h=8 m=10
